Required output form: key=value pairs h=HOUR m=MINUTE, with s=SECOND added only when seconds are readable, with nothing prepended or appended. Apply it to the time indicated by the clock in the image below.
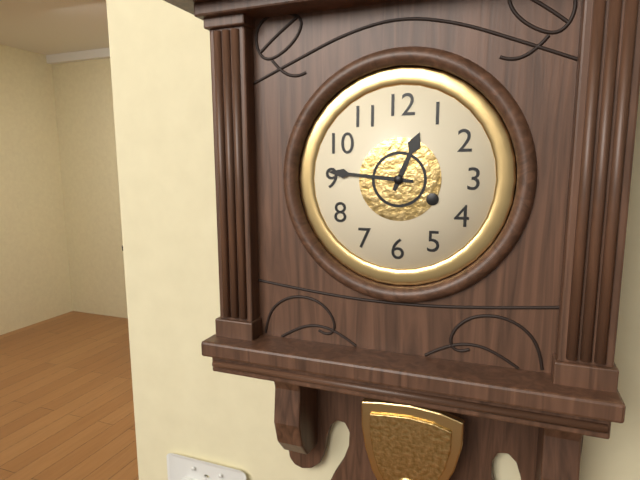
h=12 m=46
